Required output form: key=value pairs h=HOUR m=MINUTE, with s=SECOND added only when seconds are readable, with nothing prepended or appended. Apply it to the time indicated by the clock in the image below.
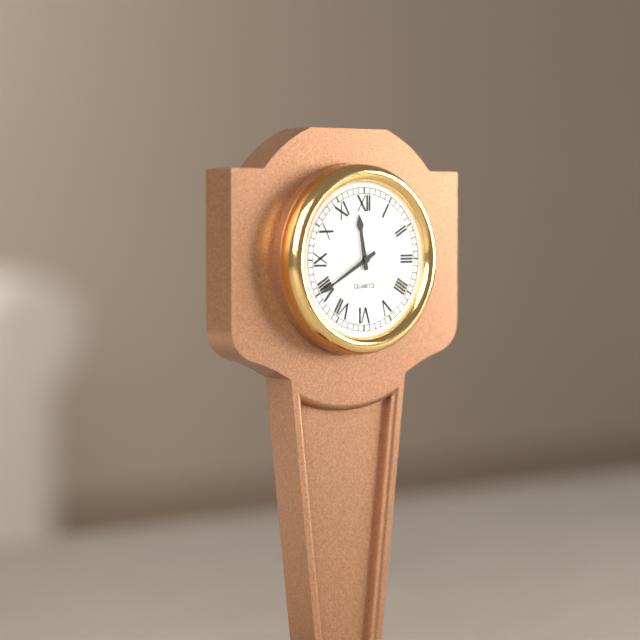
h=11 m=40
